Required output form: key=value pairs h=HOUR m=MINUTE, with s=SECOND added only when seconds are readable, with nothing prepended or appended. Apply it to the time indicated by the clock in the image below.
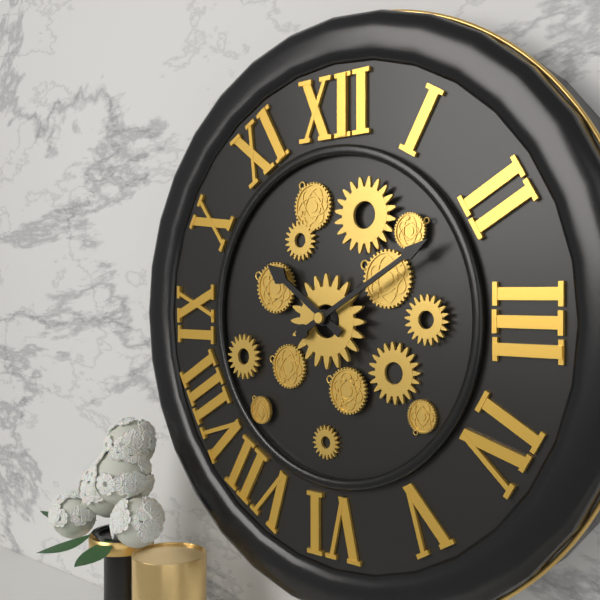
h=10 m=10
